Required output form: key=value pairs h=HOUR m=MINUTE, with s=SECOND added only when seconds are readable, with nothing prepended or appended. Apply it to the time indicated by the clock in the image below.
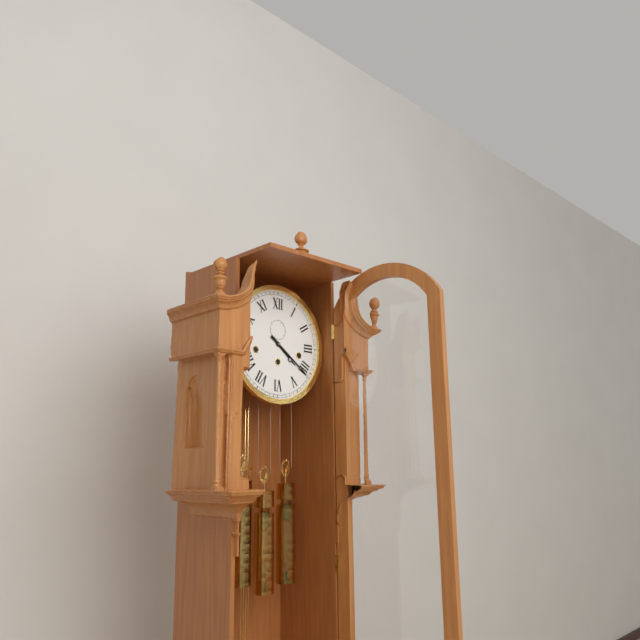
h=4 m=21
